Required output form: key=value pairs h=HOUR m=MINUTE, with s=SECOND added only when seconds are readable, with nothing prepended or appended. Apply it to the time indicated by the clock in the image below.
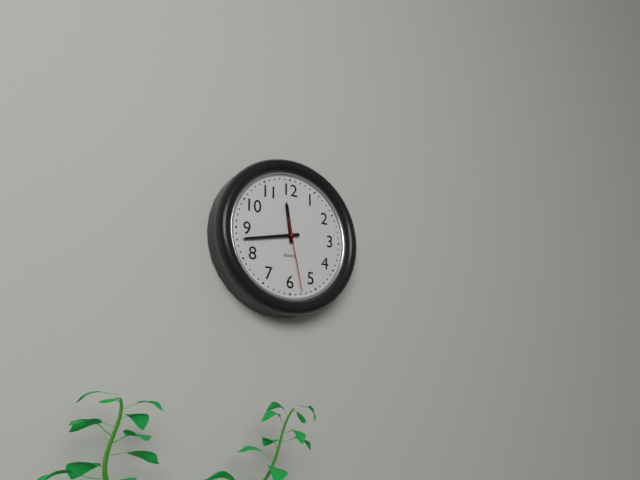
h=11 m=43 s=28
